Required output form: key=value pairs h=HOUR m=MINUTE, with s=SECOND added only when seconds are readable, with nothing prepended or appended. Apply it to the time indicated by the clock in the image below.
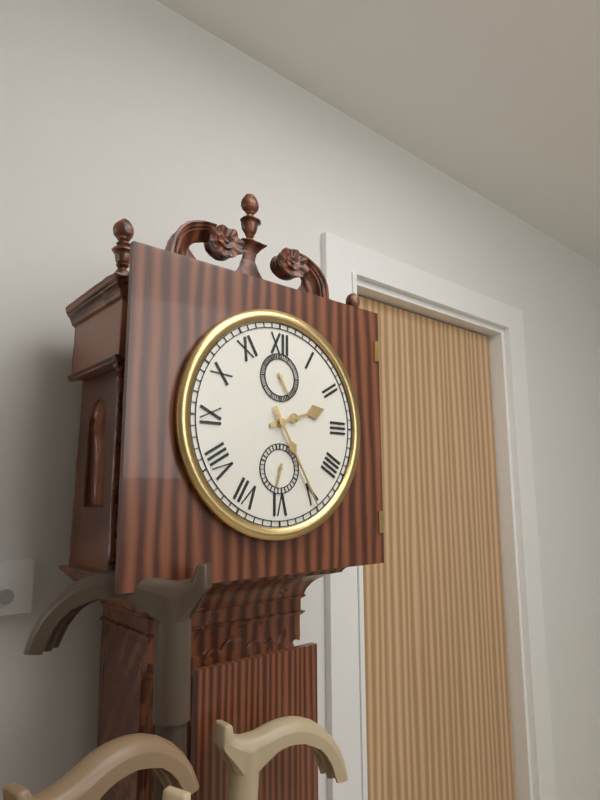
h=2 m=25
